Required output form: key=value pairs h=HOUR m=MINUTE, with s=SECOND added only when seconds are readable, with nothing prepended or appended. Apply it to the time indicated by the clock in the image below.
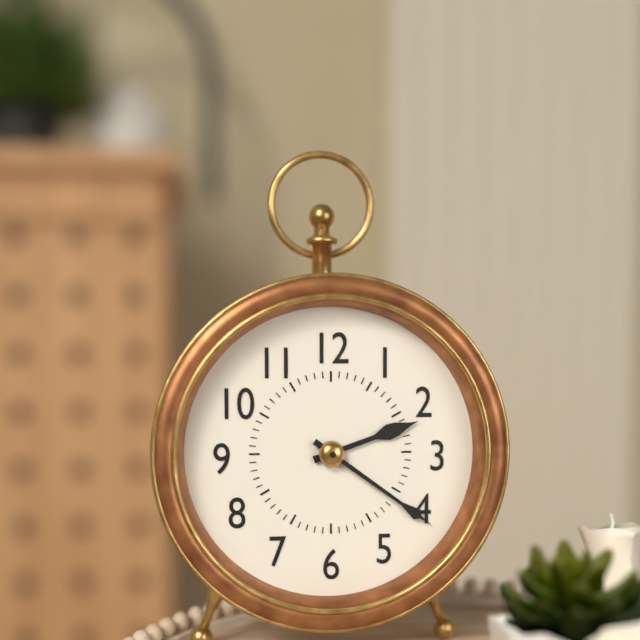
h=2 m=21
